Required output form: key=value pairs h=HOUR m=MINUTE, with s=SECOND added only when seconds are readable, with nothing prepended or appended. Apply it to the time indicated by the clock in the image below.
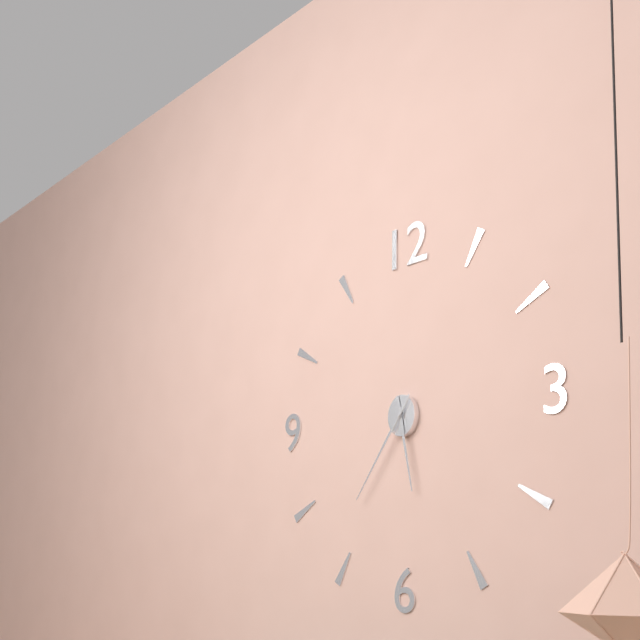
h=5 m=36
